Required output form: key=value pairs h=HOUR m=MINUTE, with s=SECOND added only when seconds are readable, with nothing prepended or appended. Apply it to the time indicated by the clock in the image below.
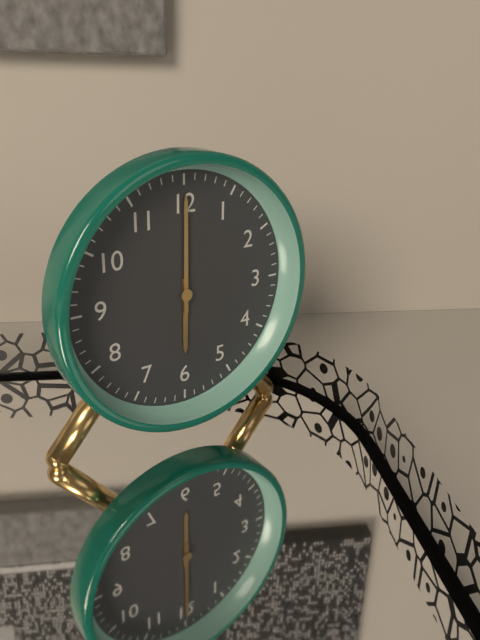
h=6 m=0
